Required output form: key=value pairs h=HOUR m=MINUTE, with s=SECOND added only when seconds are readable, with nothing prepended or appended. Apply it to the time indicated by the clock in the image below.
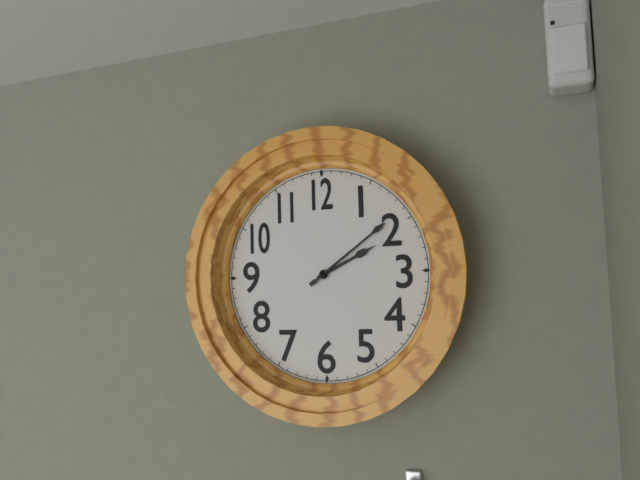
h=2 m=9
